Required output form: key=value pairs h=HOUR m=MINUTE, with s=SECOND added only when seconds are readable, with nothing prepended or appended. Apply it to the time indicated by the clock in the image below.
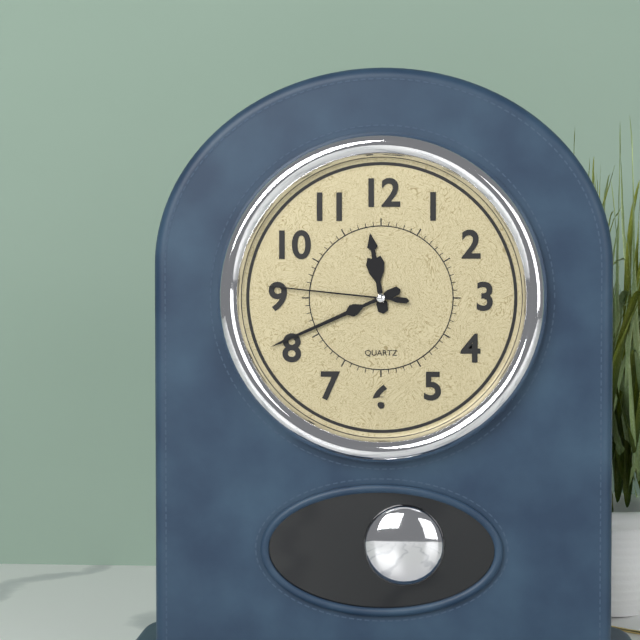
h=11 m=41 s=46
